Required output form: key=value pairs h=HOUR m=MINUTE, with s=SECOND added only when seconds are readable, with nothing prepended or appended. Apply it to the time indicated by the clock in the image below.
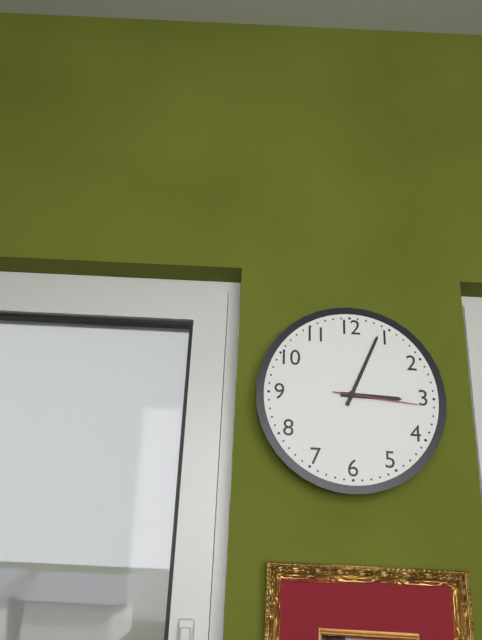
h=3 m=4 s=16
